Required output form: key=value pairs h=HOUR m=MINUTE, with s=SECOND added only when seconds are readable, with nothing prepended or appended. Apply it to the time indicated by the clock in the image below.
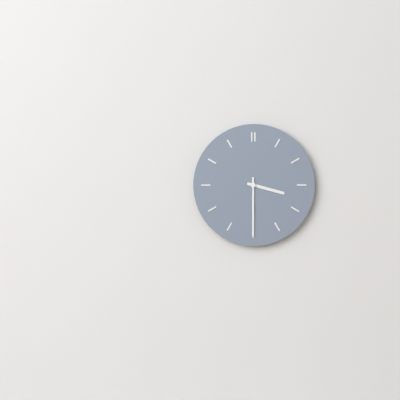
h=3 m=30
